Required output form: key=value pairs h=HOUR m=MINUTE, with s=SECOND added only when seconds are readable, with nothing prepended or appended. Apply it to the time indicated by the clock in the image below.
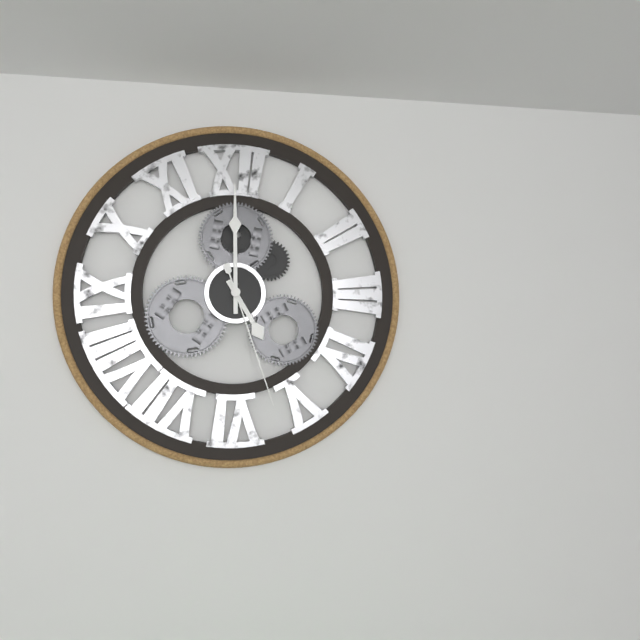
h=5 m=0 s=27
